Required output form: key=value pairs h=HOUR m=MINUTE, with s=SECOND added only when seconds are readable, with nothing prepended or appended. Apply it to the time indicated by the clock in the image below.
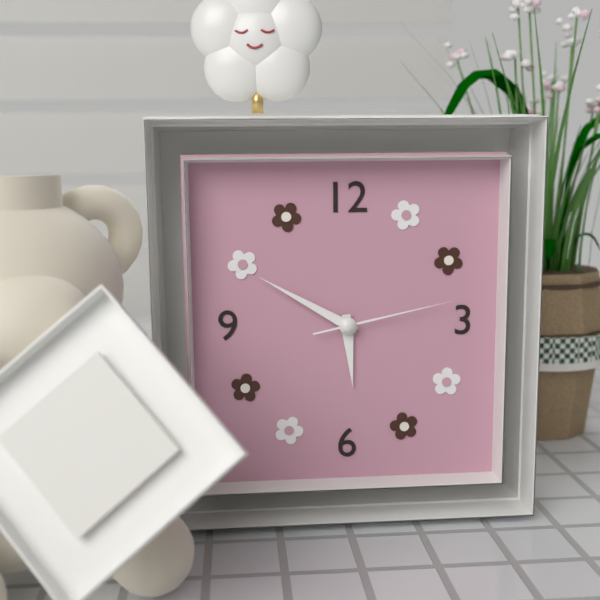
h=5 m=50 s=13
